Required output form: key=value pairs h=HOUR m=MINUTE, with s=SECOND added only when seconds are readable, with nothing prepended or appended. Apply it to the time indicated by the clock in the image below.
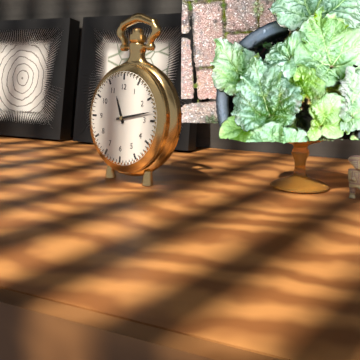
h=11 m=13
